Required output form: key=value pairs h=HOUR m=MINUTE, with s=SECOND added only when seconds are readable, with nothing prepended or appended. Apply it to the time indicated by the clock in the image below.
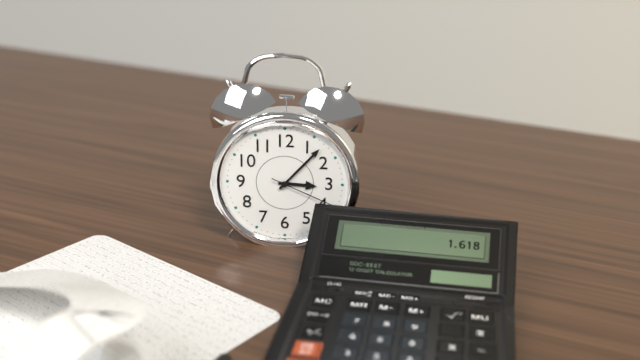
h=3 m=7 s=19
